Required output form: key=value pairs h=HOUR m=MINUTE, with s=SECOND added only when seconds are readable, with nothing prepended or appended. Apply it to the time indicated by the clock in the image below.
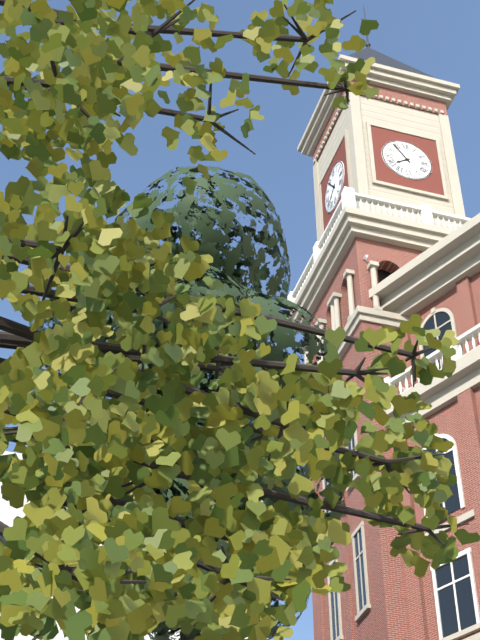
h=7 m=54
